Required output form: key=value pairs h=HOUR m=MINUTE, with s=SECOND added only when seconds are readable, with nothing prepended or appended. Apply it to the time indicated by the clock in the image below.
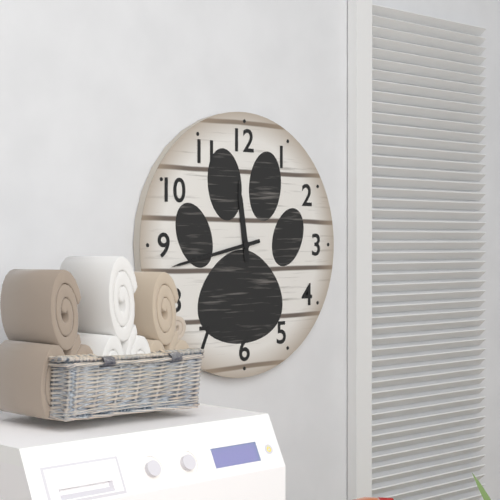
h=11 m=43
